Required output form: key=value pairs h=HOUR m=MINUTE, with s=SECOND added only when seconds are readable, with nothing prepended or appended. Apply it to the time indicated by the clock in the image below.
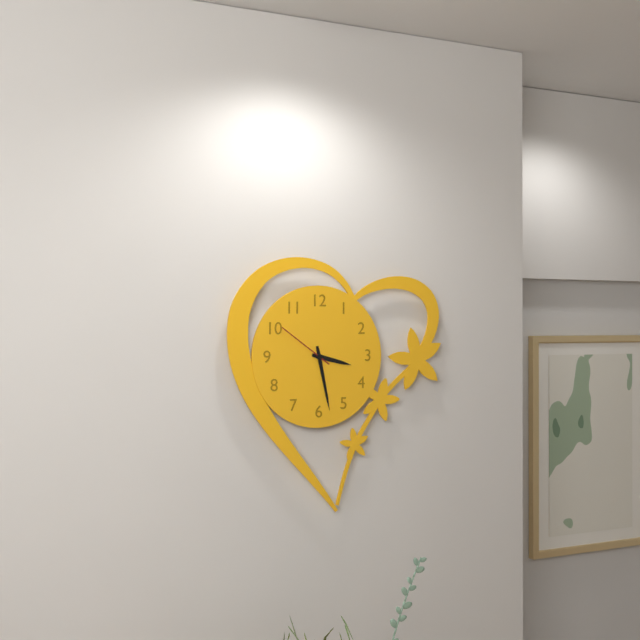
h=3 m=28 s=51
